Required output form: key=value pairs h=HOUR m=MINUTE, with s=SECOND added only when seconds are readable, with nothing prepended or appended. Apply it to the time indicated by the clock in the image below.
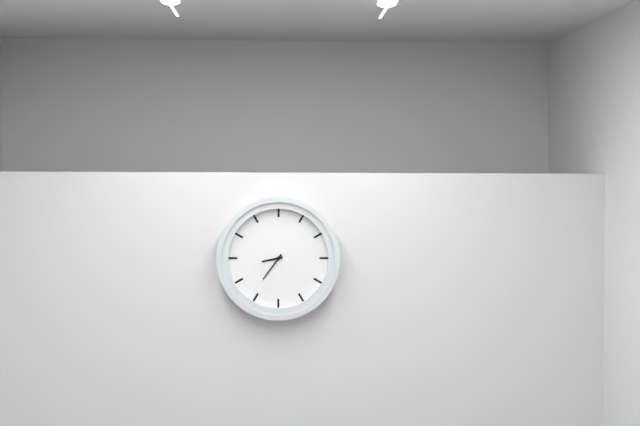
h=8 m=36
